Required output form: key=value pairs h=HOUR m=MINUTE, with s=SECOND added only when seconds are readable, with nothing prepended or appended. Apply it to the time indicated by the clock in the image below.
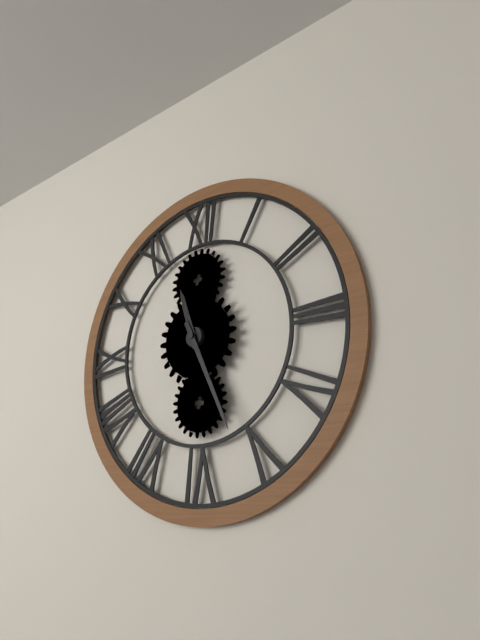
h=11 m=26
